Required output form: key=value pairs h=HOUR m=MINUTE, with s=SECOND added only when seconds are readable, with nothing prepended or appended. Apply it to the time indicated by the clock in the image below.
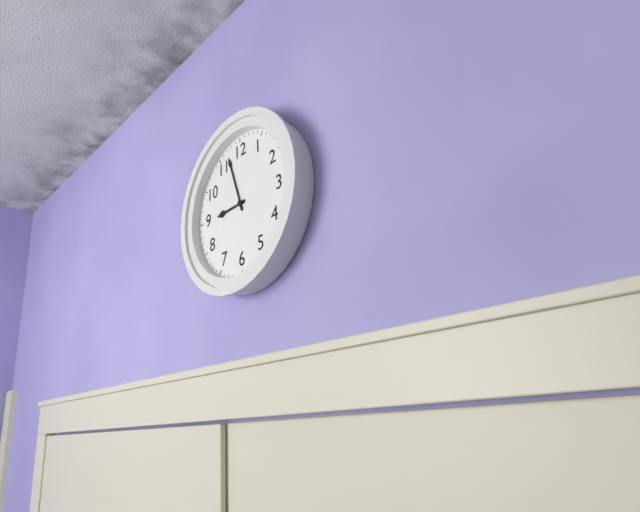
h=8 m=57
